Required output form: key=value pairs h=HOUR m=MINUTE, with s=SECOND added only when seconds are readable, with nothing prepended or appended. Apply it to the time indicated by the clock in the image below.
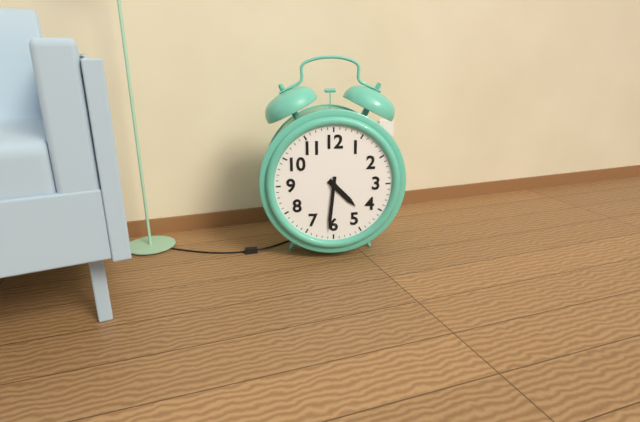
h=4 m=31
